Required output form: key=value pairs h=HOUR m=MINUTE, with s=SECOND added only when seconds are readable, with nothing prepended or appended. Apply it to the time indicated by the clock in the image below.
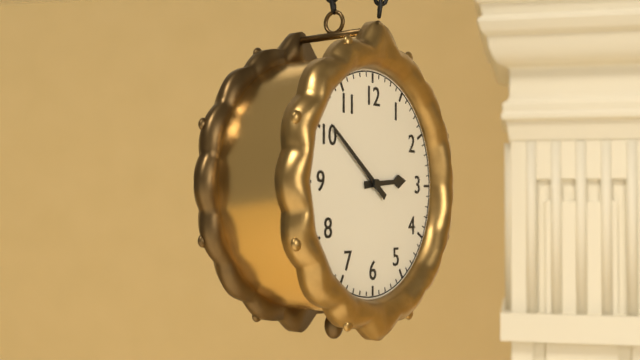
h=2 m=51
